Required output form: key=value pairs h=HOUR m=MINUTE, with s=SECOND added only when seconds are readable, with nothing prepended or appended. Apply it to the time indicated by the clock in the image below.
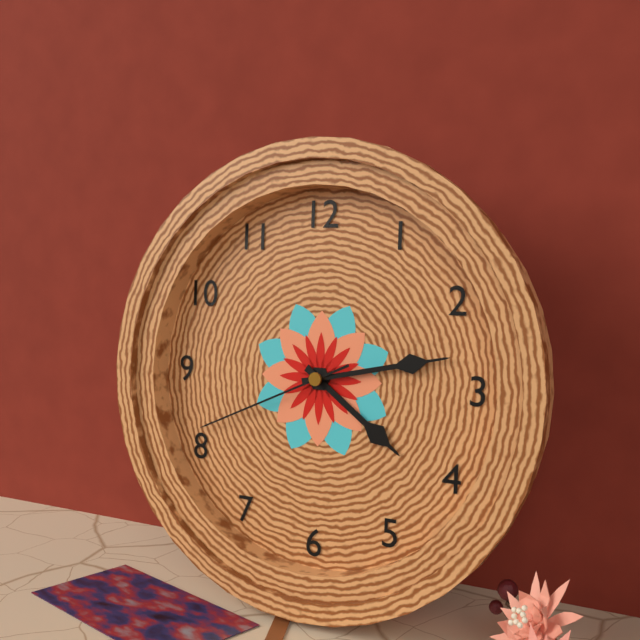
h=4 m=13 s=41
